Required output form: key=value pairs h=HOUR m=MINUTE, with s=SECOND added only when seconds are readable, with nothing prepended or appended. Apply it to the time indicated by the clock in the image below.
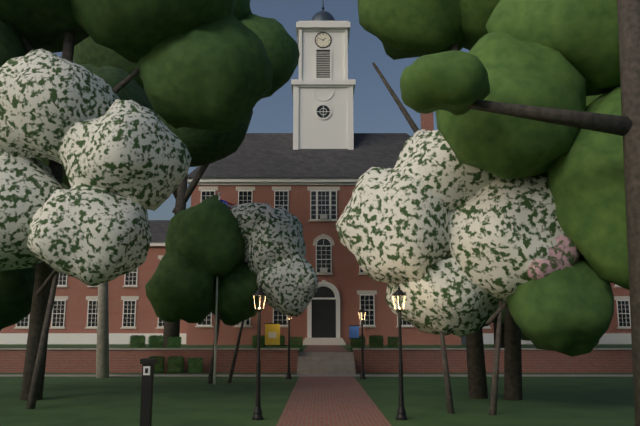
h=1 m=48
